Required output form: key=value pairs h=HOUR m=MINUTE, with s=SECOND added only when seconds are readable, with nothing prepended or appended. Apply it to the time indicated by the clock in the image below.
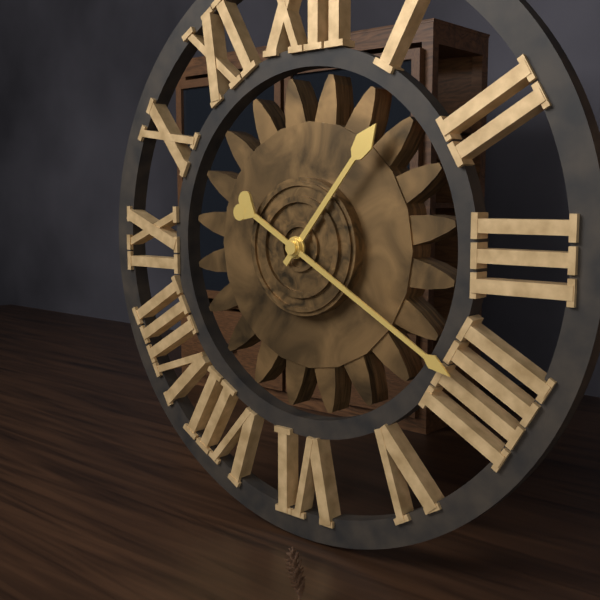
h=1 m=20
